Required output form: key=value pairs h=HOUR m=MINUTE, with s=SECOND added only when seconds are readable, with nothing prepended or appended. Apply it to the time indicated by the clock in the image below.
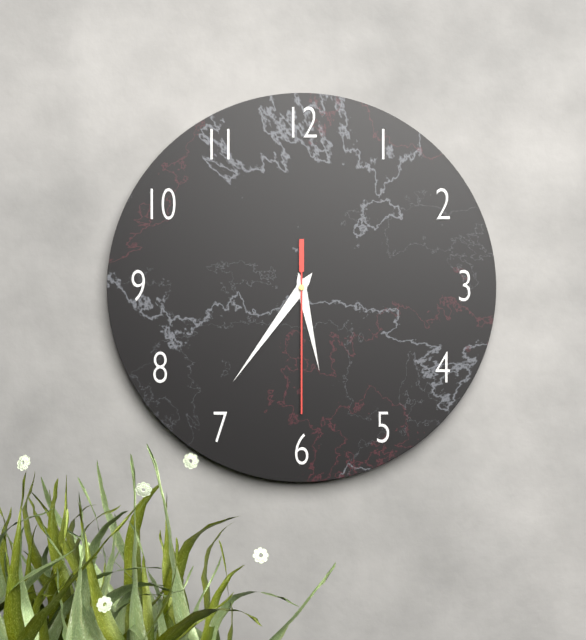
h=5 m=36 s=30
